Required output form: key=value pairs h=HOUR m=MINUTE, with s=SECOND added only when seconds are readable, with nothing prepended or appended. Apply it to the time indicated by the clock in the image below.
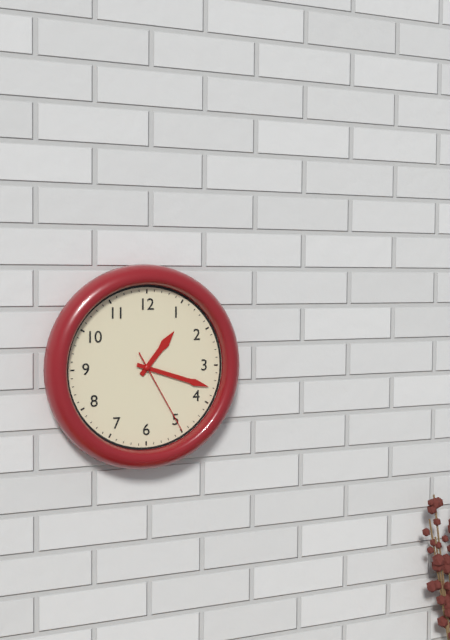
h=1 m=18 s=25
